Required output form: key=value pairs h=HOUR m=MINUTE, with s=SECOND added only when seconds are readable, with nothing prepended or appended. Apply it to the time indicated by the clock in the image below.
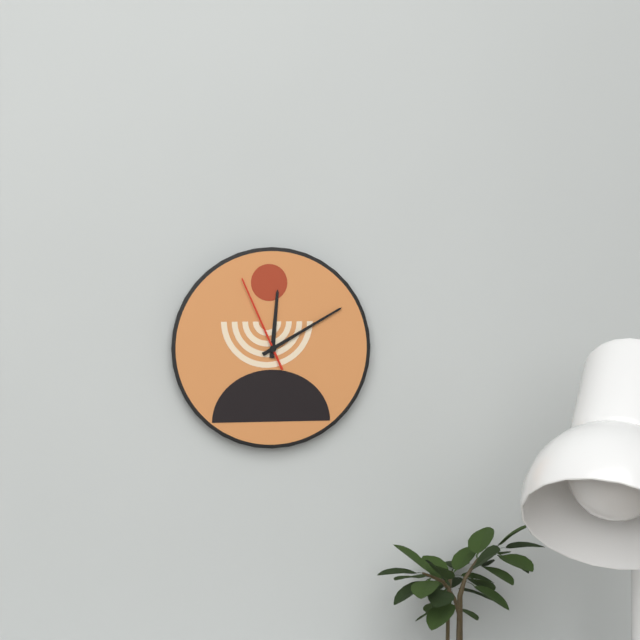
h=12 m=10 s=56
